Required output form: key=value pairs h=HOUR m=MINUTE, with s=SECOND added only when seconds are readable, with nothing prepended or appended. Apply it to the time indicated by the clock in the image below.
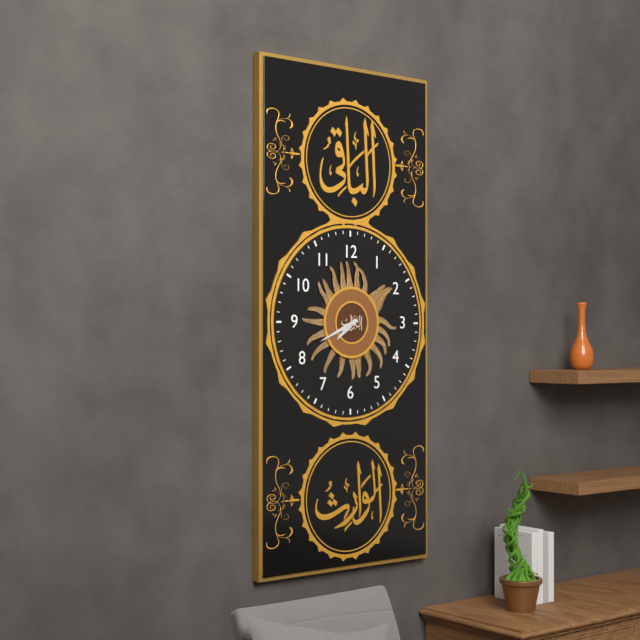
h=7 m=41
